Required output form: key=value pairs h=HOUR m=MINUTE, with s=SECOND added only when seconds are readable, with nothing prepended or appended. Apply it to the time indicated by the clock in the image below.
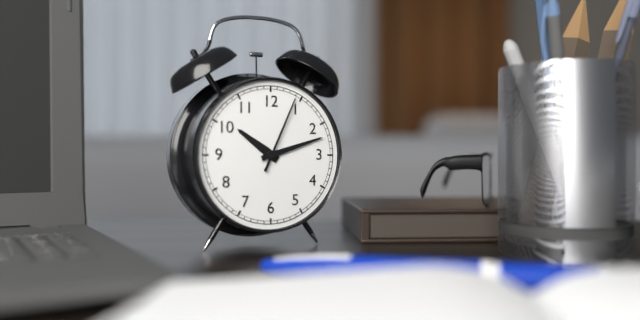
h=10 m=12 s=4
